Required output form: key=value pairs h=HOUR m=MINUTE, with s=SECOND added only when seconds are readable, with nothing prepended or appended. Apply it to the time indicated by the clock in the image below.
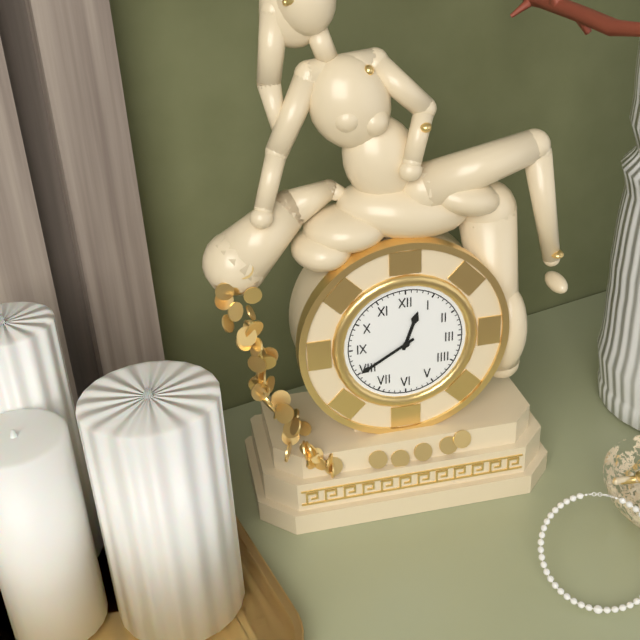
h=12 m=40
